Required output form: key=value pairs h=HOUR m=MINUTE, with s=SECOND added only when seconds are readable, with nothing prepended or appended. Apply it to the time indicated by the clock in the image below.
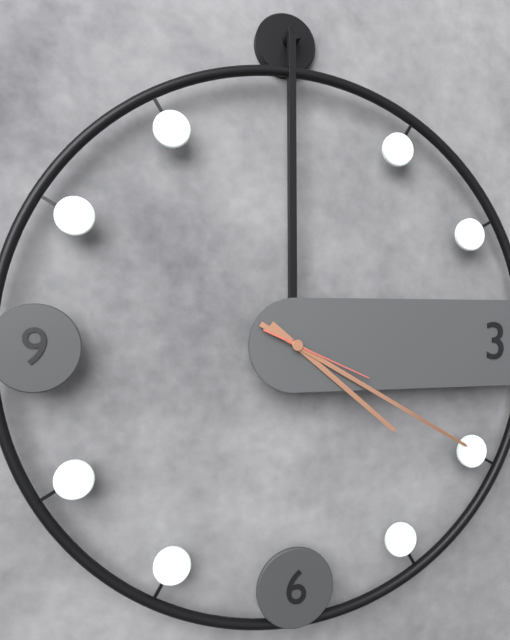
h=4 m=20 s=19
